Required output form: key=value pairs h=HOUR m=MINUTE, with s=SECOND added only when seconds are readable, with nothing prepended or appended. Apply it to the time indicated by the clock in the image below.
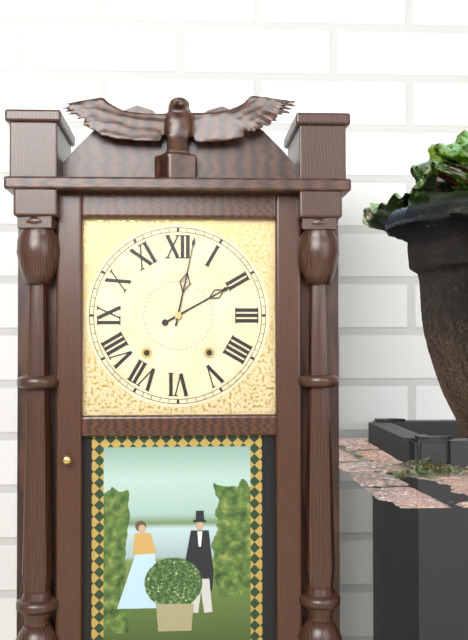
h=2 m=2
